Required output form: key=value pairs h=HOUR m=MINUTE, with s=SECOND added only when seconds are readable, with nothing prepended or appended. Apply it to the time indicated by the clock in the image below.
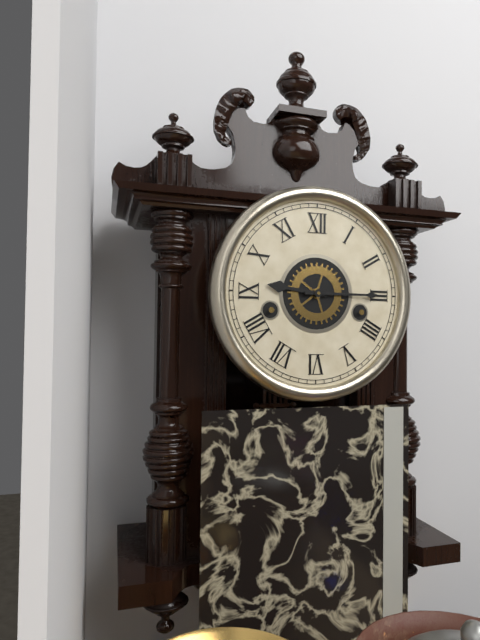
h=9 m=15
